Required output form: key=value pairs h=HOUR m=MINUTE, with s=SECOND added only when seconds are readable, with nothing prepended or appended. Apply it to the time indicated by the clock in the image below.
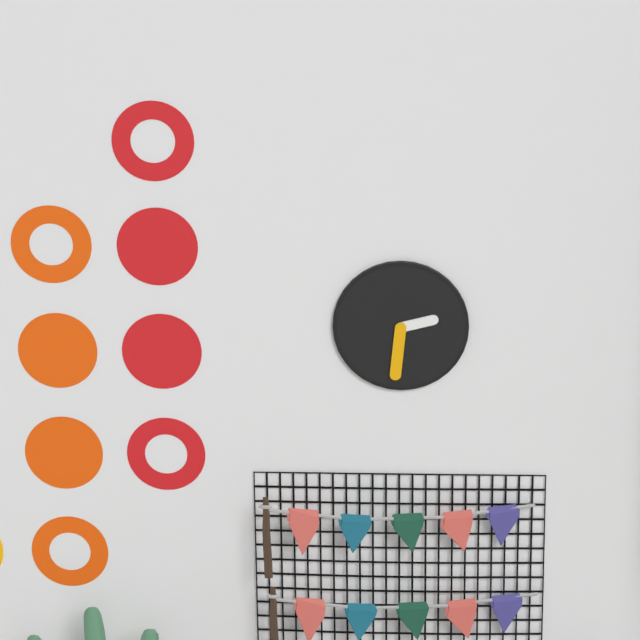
h=2 m=31
